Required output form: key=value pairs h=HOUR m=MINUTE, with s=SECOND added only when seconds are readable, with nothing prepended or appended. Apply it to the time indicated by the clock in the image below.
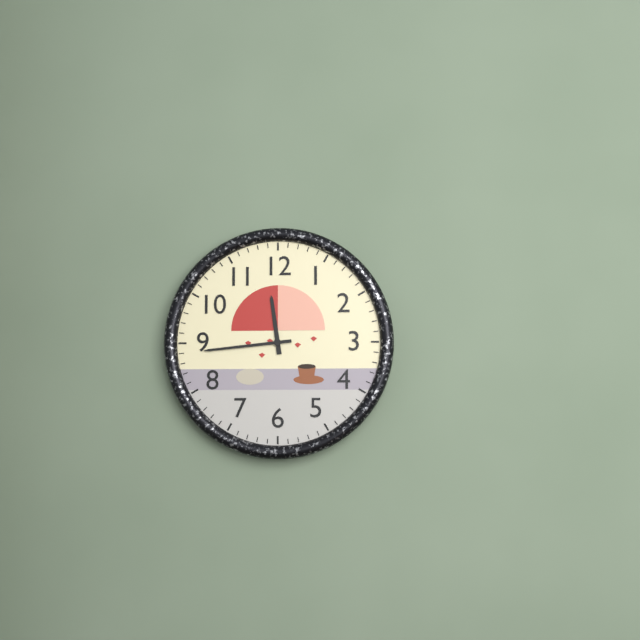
h=11 m=44
